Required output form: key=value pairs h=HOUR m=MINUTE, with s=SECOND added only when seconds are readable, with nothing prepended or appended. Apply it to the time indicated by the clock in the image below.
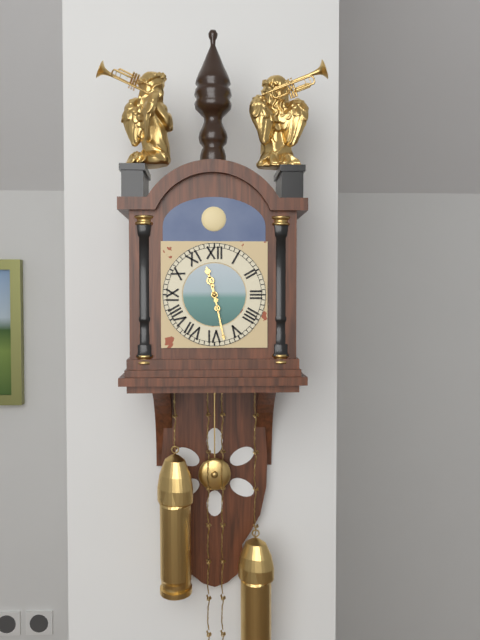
h=11 m=28
